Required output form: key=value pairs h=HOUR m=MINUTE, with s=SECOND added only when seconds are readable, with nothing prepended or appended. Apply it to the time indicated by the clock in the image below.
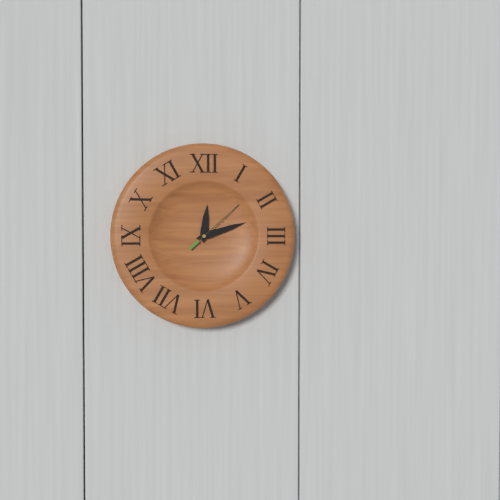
h=12 m=12 s=8
